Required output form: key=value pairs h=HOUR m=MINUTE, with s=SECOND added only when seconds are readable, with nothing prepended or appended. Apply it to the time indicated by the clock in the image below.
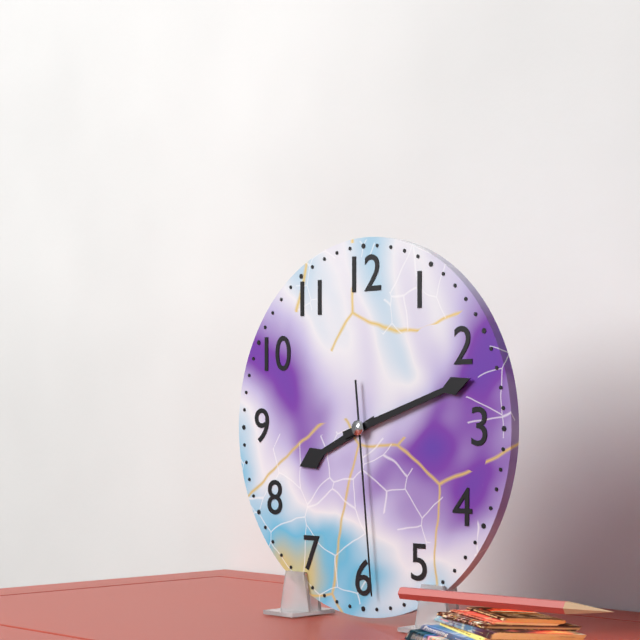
h=8 m=12 s=29
